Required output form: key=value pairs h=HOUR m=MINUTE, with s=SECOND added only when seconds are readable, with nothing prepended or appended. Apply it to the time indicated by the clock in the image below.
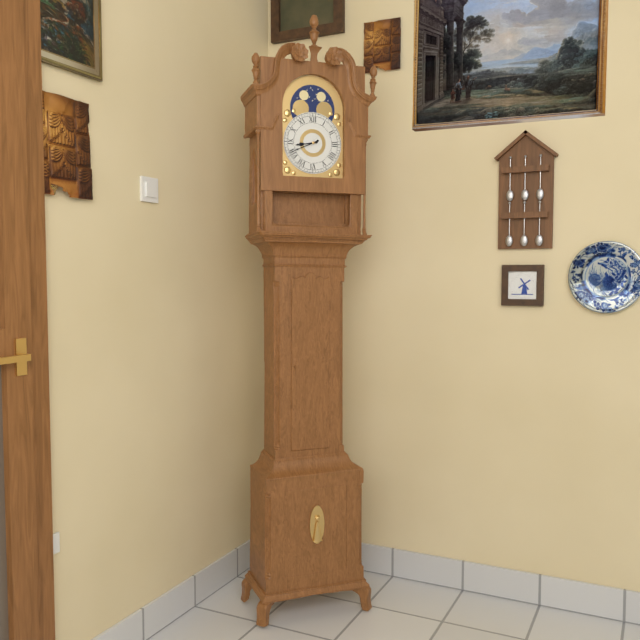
h=8 m=41
